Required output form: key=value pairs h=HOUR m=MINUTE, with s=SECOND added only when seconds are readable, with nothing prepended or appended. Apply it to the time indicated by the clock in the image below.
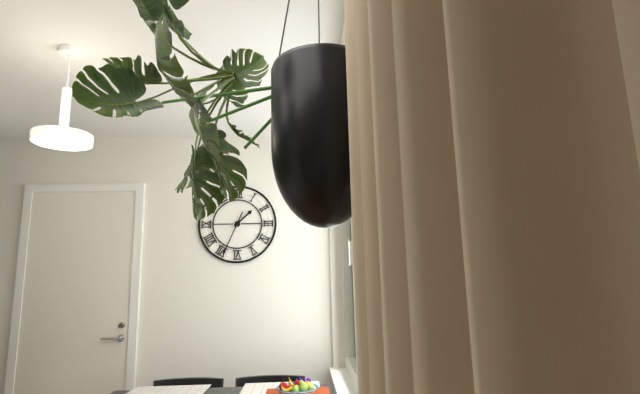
h=1 m=34
